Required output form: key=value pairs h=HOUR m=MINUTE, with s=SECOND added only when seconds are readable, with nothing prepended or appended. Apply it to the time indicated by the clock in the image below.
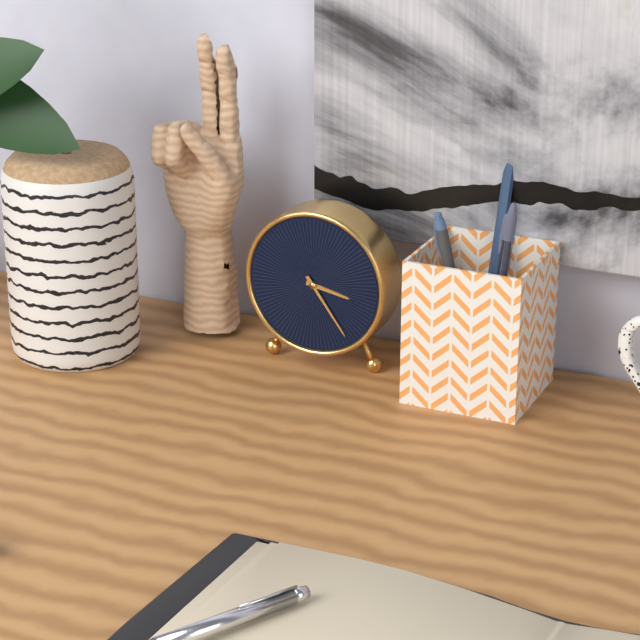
h=3 m=24
